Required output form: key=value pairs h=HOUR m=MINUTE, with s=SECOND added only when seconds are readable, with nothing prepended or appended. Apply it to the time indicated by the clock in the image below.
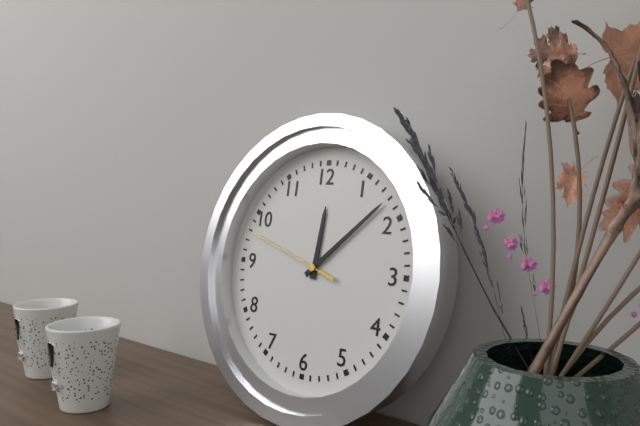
h=12 m=8 s=48
